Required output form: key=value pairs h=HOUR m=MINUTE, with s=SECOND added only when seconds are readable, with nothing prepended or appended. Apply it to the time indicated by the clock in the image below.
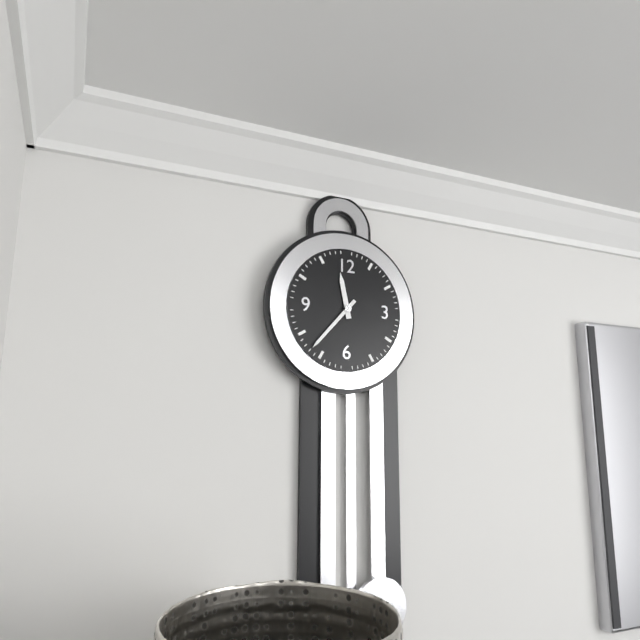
h=11 m=37
